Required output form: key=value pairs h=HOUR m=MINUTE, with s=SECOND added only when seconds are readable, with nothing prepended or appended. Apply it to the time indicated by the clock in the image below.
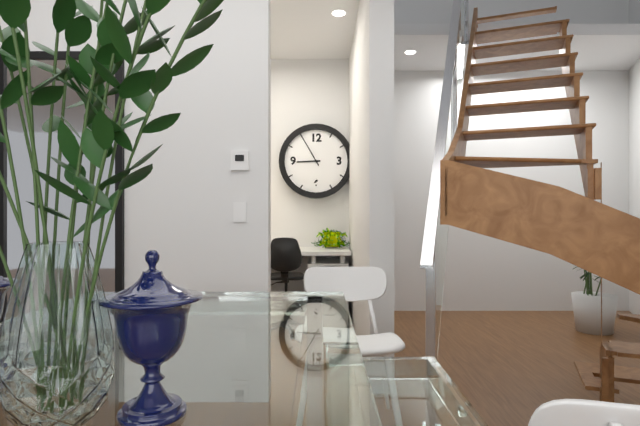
h=8 m=55
